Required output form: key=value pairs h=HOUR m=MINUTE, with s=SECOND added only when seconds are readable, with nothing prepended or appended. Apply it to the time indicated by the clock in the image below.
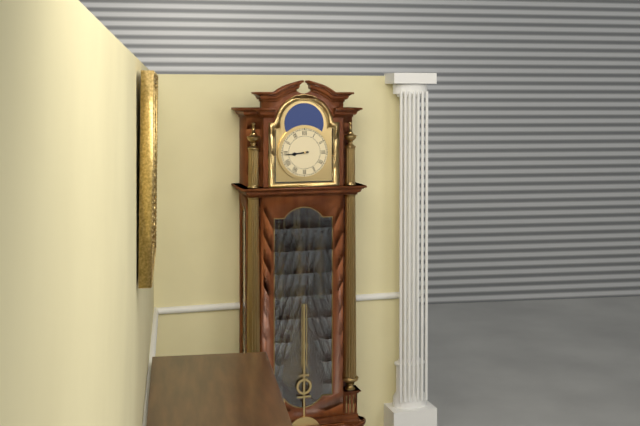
h=8 m=44
